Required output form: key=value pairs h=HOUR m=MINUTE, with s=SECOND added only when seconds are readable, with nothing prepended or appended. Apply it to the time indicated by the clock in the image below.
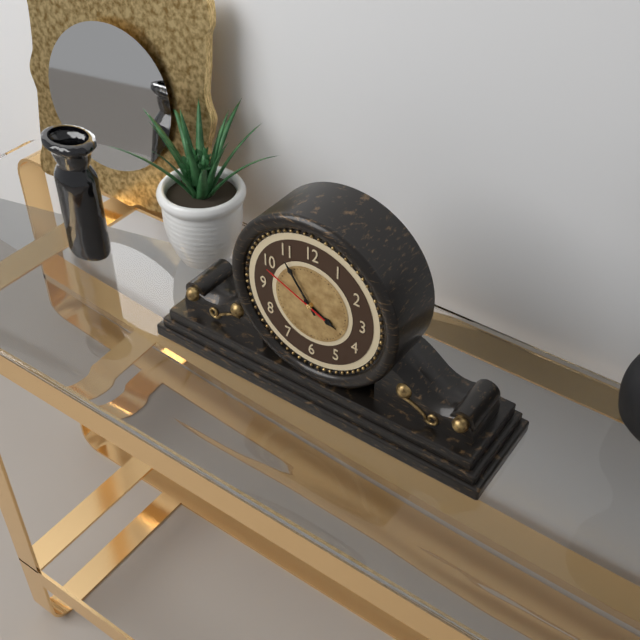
h=3 m=54 s=49
